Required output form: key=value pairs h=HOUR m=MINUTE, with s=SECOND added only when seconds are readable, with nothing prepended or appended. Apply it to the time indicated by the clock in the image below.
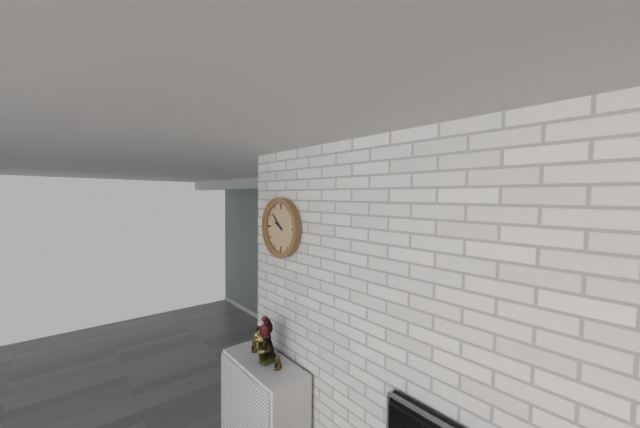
h=9 m=52
